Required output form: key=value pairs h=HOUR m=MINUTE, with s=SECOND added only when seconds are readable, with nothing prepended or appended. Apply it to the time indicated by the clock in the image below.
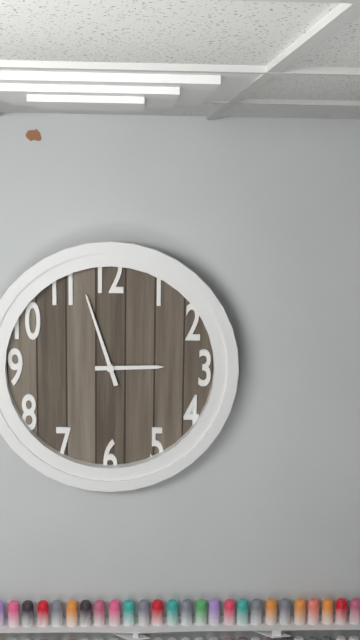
h=2 m=57
